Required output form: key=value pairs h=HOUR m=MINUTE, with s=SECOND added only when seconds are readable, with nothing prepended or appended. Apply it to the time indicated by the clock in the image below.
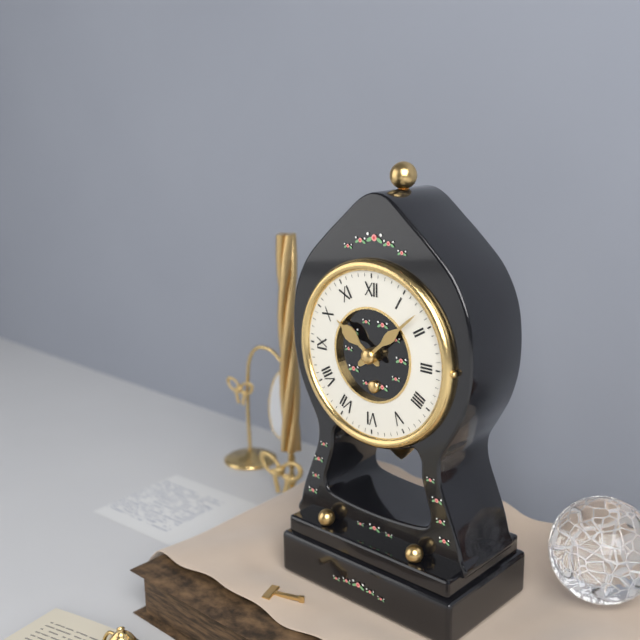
h=10 m=8
